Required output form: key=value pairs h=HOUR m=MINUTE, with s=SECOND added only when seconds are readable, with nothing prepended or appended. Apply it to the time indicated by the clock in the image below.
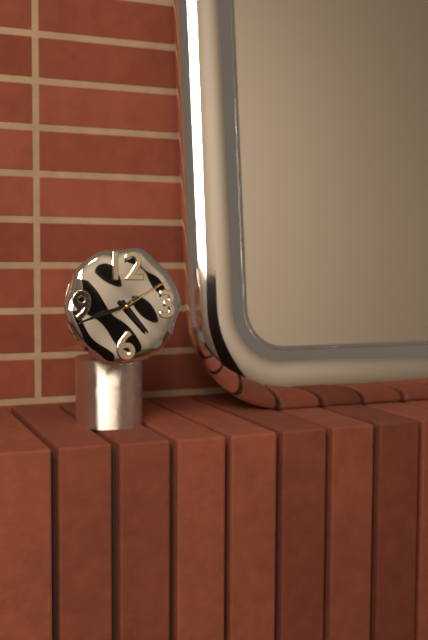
h=4 m=42 s=10
